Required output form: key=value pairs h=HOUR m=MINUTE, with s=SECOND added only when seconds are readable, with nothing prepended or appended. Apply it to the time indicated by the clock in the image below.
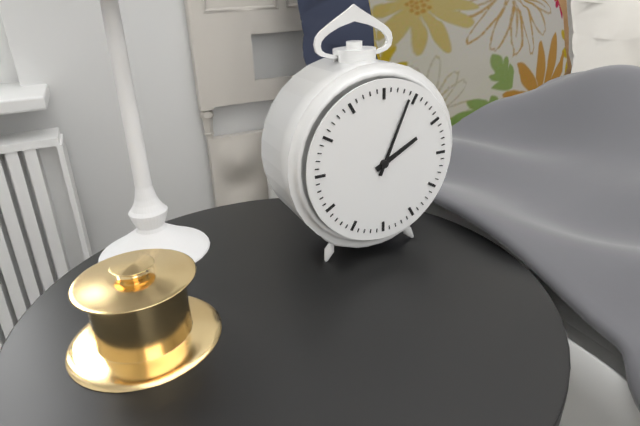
h=2 m=4
